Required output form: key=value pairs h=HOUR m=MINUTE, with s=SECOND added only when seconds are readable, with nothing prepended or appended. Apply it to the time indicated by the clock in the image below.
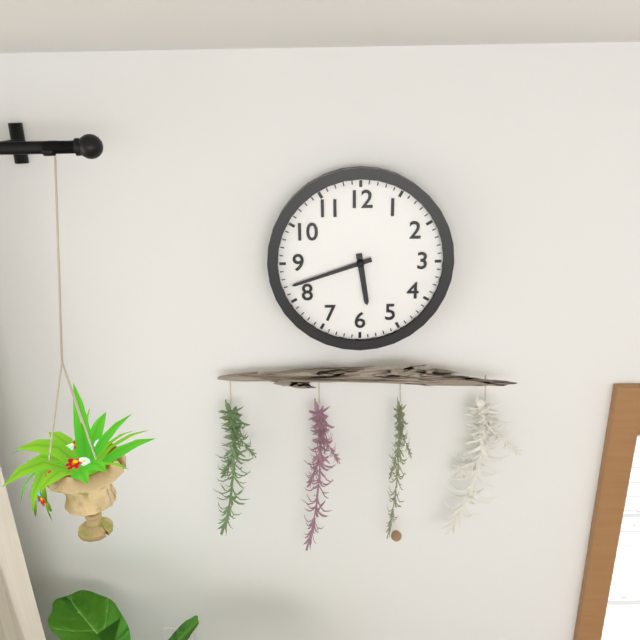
h=5 m=42
